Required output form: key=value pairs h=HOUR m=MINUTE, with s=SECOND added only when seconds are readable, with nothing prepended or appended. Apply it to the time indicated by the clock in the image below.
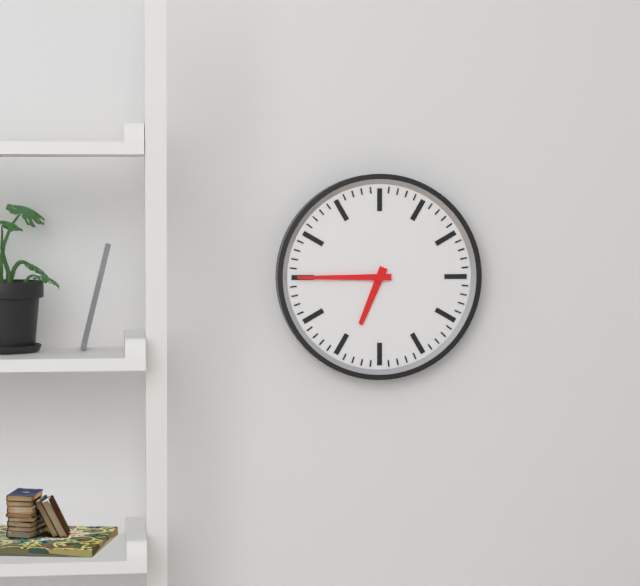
h=6 m=45
